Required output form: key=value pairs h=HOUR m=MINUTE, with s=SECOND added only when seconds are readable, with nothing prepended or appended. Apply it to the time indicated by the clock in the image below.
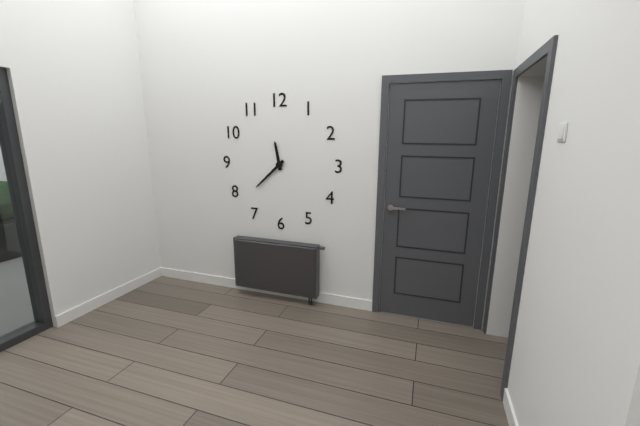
h=11 m=38
